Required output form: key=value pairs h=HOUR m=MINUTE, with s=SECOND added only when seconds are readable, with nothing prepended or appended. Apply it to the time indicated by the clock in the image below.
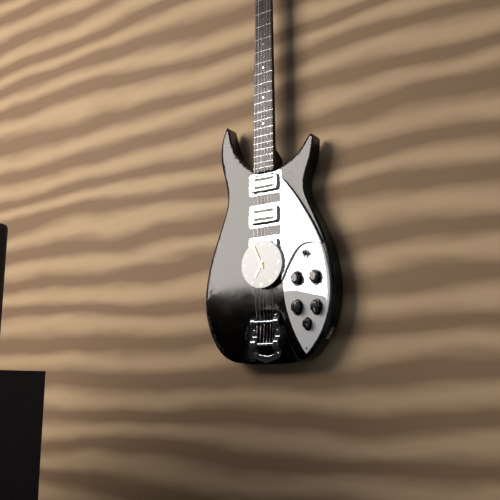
h=6 m=56
